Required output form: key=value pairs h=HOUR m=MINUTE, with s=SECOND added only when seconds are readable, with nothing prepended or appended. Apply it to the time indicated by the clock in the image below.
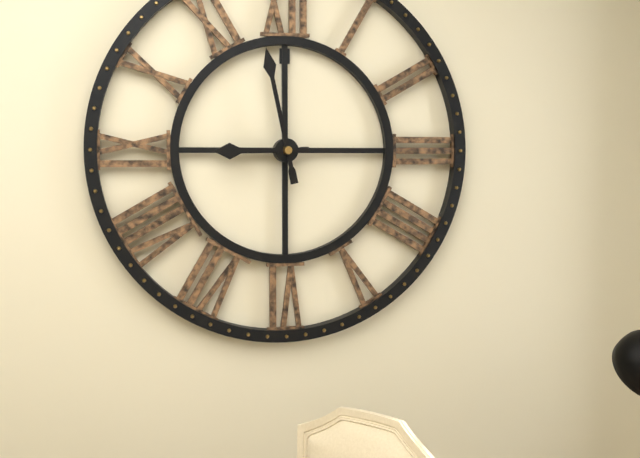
h=8 m=58
